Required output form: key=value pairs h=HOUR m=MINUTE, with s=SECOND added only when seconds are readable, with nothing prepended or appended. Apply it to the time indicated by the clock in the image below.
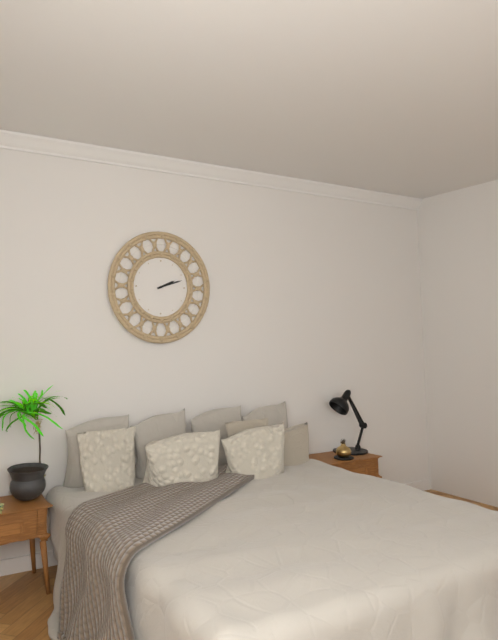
h=2 m=12
